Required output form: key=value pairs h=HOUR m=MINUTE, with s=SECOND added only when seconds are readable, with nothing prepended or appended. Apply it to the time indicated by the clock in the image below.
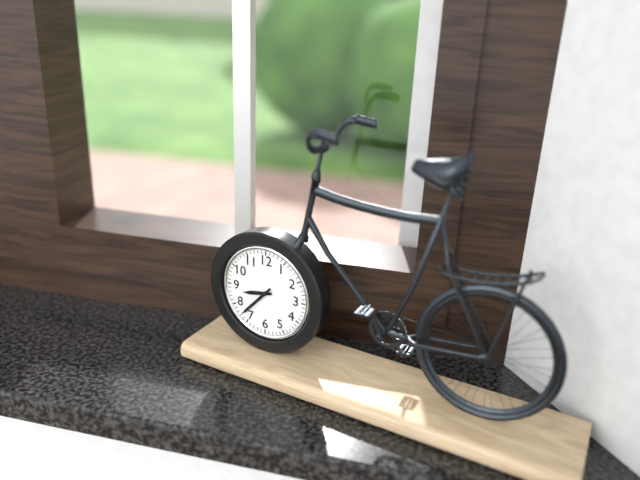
h=8 m=37
